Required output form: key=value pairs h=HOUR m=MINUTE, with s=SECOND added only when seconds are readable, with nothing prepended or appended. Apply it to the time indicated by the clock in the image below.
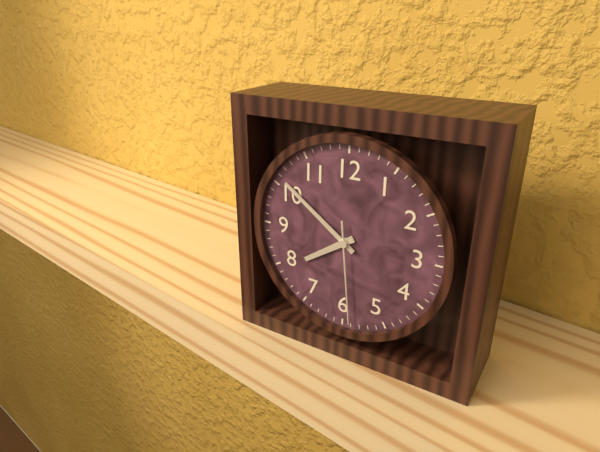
h=7 m=51 s=29
